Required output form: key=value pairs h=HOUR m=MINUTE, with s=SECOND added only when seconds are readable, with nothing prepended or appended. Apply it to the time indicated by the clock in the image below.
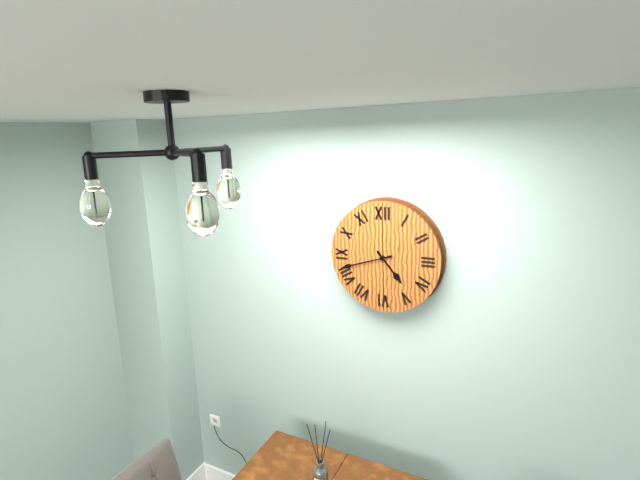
h=4 m=42
